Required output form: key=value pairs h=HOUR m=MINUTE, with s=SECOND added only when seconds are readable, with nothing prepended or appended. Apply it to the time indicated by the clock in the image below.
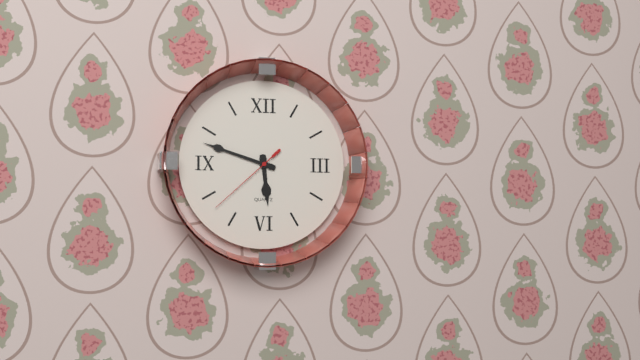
h=5 m=48 s=38
